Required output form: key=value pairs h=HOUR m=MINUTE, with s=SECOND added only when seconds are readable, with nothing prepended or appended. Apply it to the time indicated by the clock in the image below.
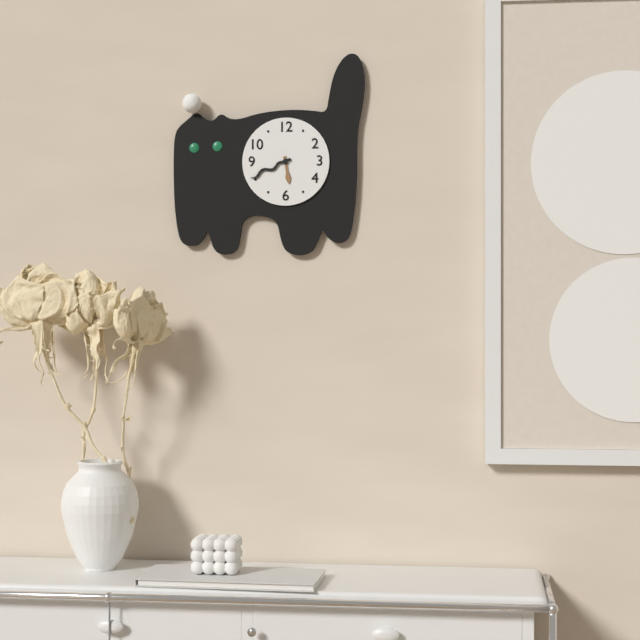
h=5 m=41
